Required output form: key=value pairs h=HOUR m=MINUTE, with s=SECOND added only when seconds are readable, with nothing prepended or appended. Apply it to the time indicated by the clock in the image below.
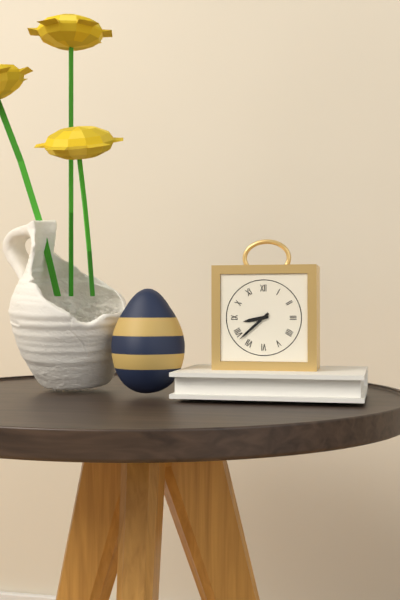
h=8 m=38
